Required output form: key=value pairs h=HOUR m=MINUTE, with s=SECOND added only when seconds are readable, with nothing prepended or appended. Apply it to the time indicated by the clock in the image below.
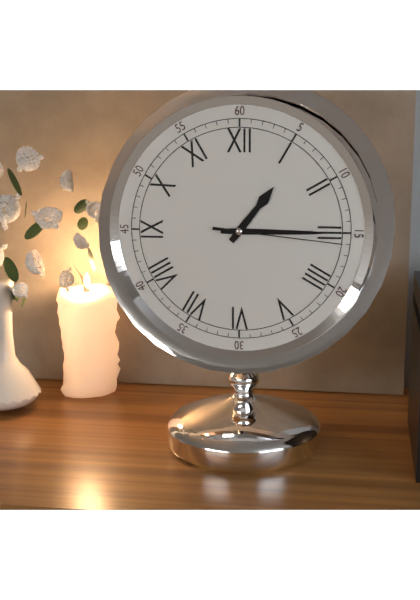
h=1 m=15 s=16
